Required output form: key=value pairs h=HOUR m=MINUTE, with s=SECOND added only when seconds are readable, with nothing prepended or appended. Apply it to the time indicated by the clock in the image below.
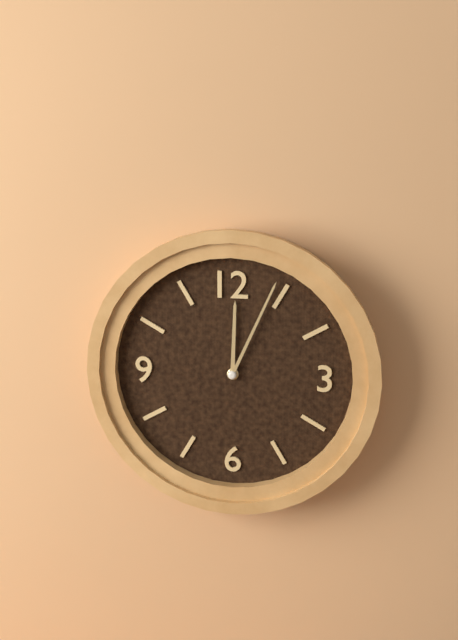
h=12 m=4
